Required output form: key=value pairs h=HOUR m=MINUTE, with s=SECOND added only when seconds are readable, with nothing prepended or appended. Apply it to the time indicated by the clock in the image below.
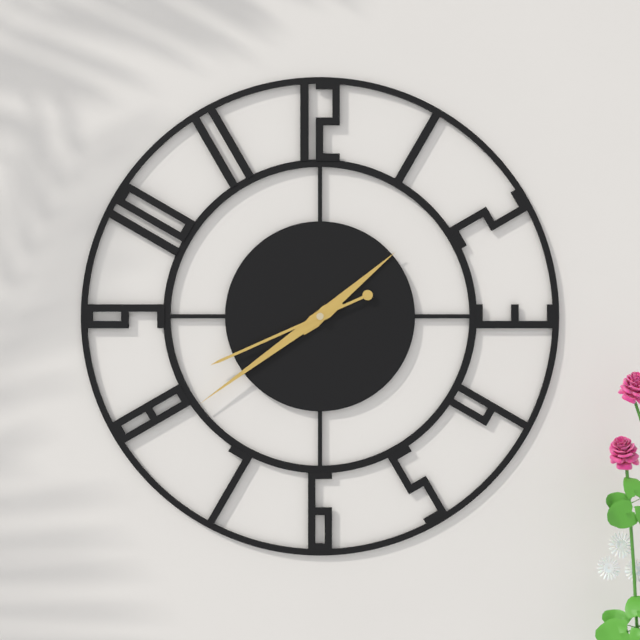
h=1 m=39 s=41
